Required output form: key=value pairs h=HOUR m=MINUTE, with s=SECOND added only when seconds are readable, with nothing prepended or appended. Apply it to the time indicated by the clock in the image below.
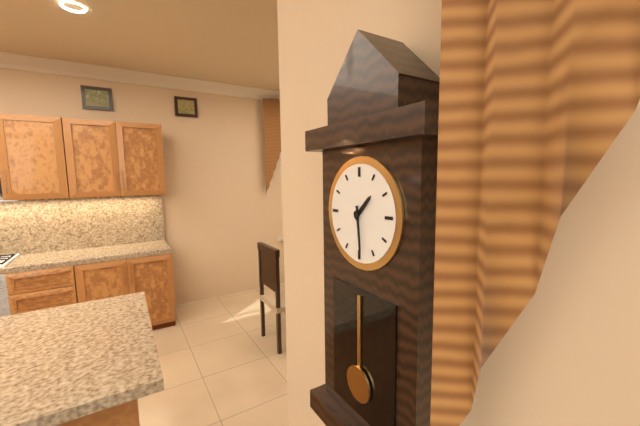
h=1 m=29
